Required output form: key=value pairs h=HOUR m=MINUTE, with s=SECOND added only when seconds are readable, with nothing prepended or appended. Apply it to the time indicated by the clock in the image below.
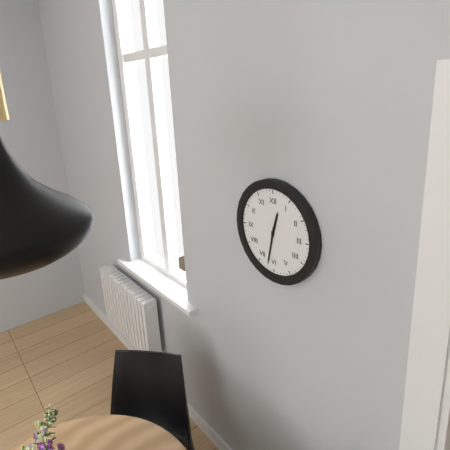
h=12 m=32
